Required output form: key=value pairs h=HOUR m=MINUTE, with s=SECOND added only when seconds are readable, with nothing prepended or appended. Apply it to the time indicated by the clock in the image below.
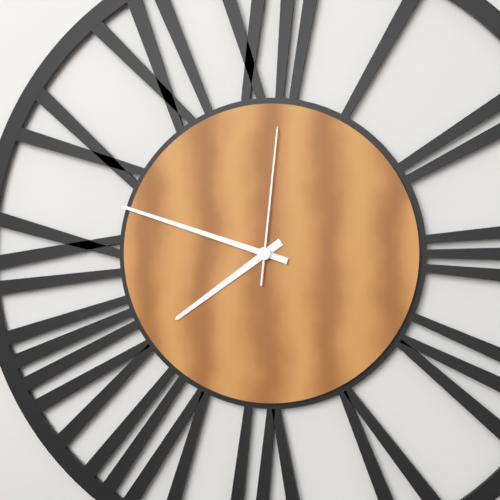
h=7 m=48 s=1
